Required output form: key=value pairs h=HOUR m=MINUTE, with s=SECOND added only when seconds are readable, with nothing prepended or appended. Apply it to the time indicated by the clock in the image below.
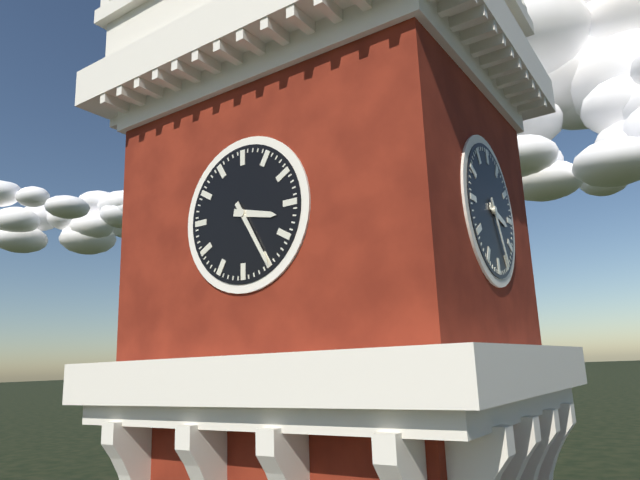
h=3 m=25
